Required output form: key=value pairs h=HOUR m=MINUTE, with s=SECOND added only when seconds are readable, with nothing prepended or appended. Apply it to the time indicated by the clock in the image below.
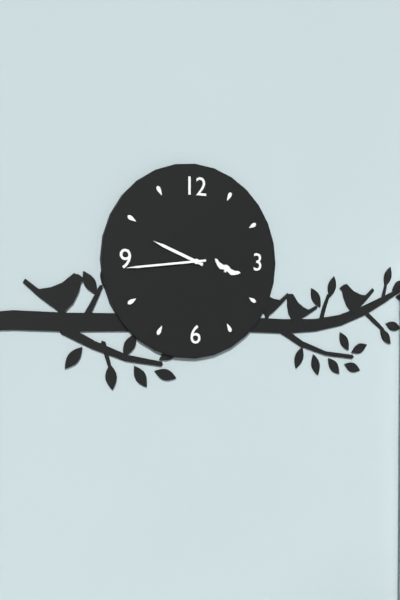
h=9 m=44
